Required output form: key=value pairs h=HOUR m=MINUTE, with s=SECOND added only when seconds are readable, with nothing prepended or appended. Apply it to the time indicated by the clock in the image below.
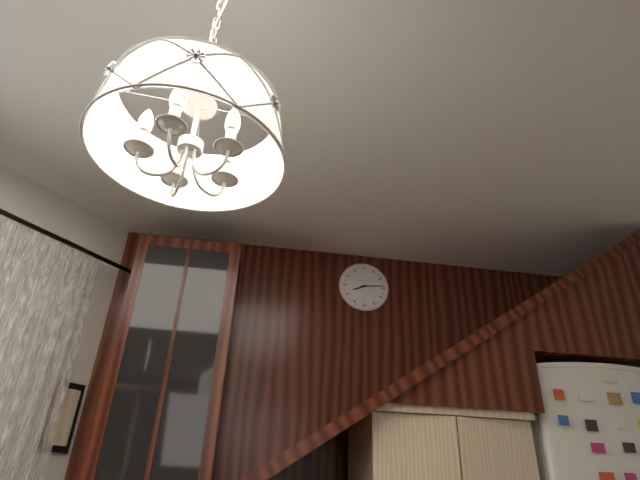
h=8 m=14
